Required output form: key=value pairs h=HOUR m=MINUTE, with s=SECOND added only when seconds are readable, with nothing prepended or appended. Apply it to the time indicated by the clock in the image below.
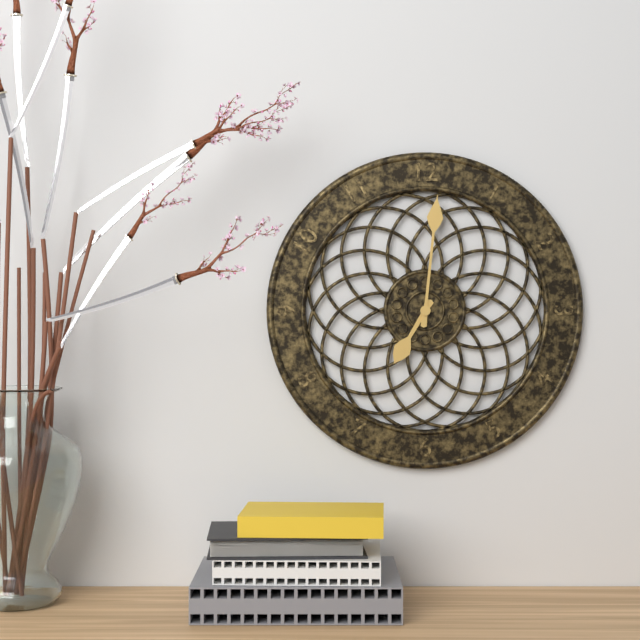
h=7 m=1
